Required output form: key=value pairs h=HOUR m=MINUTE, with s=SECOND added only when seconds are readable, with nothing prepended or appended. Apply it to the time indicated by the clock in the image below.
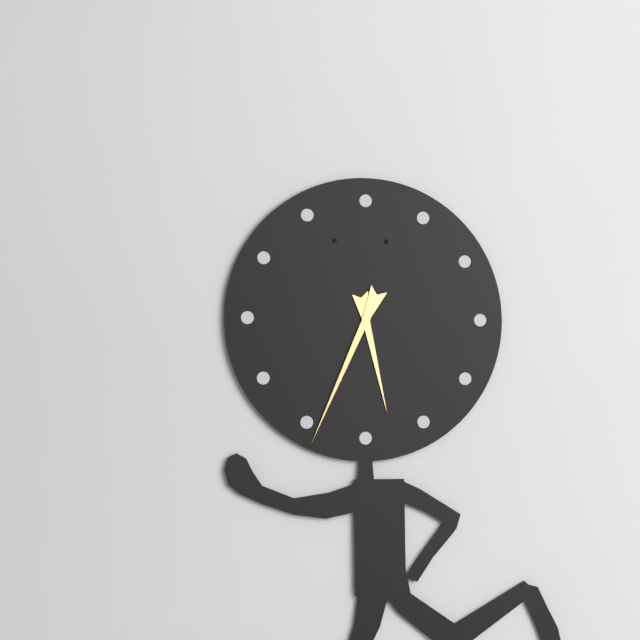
h=5 m=34
